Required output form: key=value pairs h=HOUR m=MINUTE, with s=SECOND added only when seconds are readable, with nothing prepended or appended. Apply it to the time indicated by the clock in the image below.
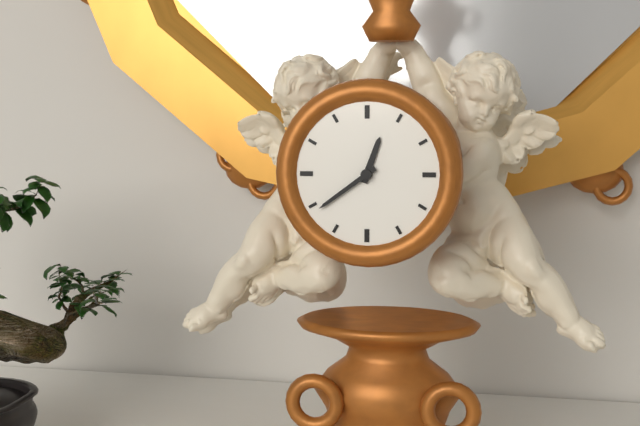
h=12 m=39
